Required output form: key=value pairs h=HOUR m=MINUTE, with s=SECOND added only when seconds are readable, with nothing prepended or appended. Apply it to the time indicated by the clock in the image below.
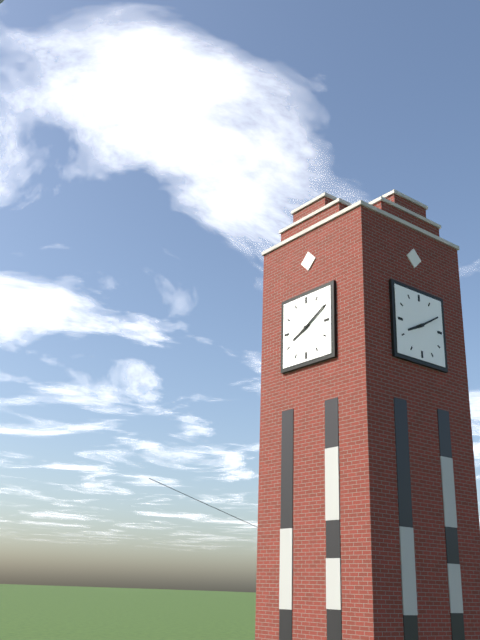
h=8 m=10
